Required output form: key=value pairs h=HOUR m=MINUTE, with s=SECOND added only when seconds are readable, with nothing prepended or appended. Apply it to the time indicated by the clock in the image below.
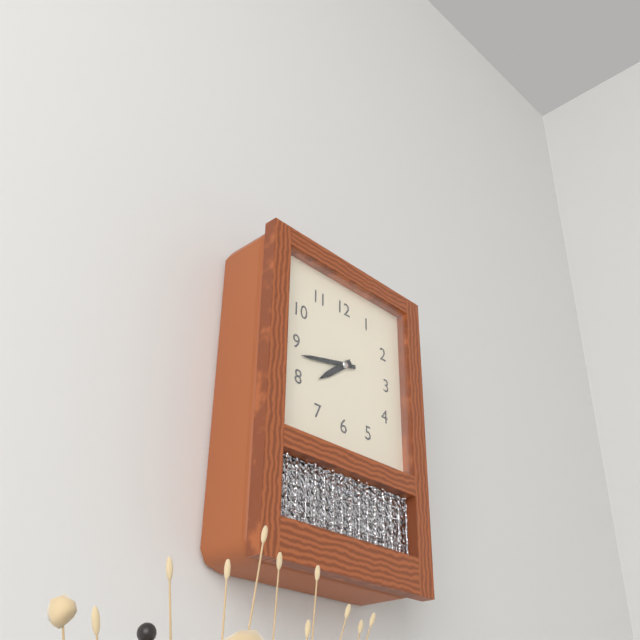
h=7 m=43
